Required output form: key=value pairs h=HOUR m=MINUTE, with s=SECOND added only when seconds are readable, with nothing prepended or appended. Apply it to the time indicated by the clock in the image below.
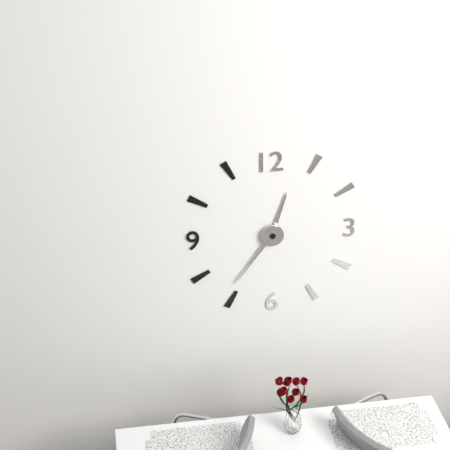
h=12 m=36
